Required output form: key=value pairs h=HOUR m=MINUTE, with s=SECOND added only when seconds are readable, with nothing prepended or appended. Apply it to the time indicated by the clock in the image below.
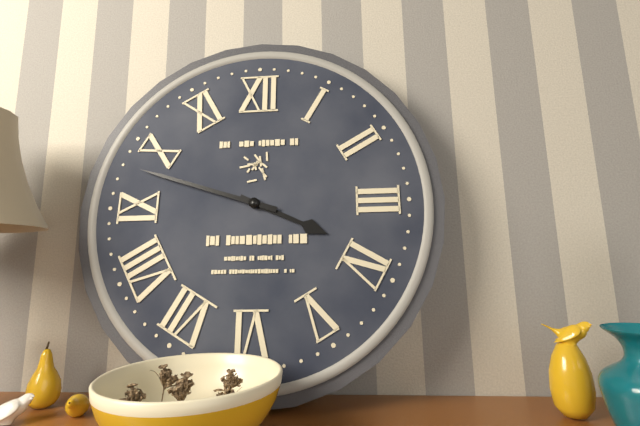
h=3 m=48
